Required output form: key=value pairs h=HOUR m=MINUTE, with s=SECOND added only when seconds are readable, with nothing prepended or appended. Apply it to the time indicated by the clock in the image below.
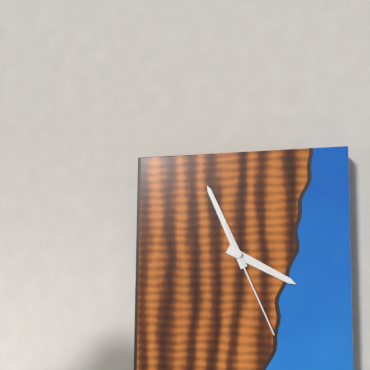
h=3 m=56 s=26
